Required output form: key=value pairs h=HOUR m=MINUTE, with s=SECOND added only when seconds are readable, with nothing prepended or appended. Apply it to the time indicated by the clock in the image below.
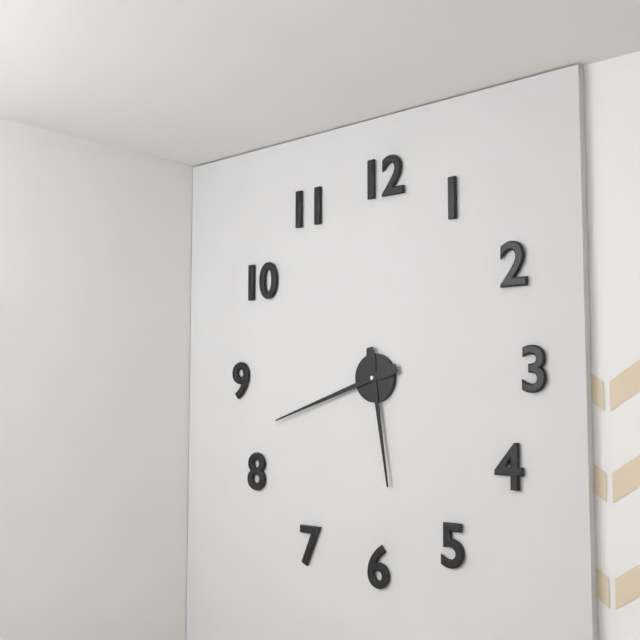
h=5 m=42
